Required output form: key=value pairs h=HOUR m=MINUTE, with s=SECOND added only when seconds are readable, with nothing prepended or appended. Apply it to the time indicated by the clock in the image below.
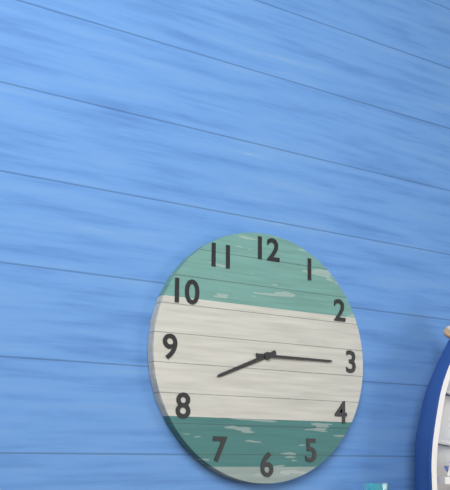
h=8 m=15
